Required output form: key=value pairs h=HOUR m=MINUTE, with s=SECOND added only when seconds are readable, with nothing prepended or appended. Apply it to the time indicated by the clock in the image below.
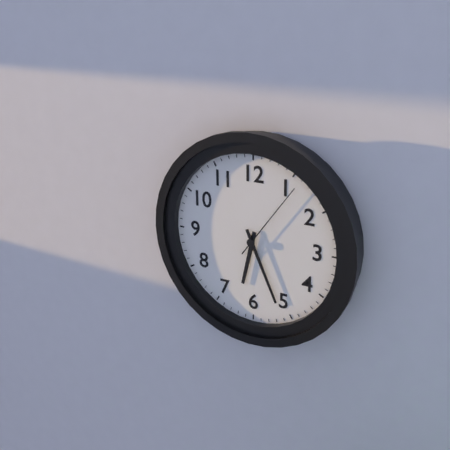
h=6 m=26 s=6
